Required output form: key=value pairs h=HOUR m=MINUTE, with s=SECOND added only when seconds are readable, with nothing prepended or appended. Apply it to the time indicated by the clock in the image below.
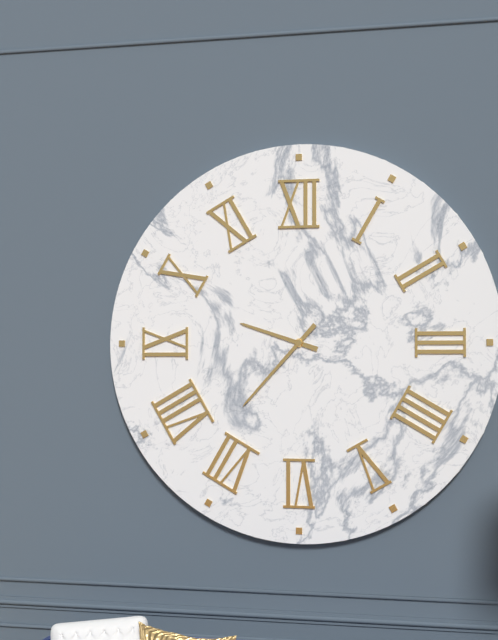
h=9 m=37
